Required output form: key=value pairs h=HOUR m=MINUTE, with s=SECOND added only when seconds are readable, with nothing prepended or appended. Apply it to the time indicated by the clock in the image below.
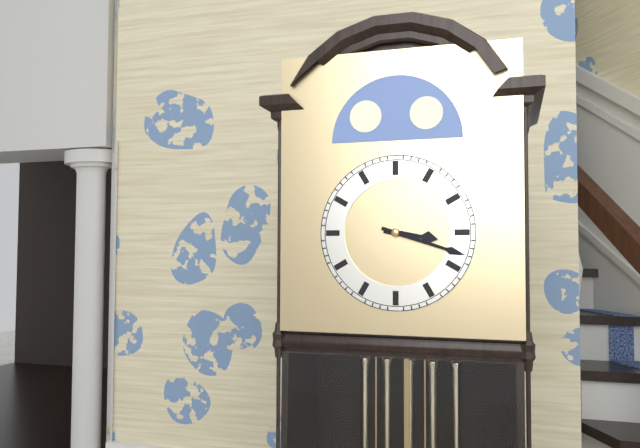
h=3 m=18
